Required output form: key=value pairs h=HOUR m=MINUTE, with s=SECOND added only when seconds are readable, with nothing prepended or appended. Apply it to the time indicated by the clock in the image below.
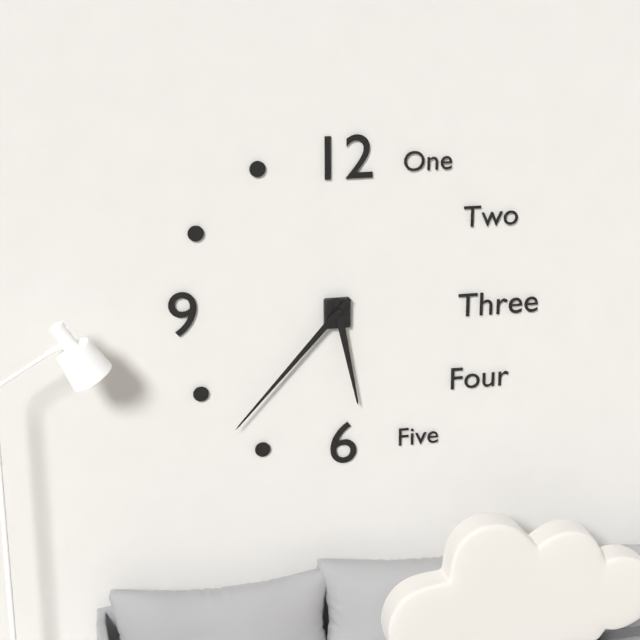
h=5 m=37
